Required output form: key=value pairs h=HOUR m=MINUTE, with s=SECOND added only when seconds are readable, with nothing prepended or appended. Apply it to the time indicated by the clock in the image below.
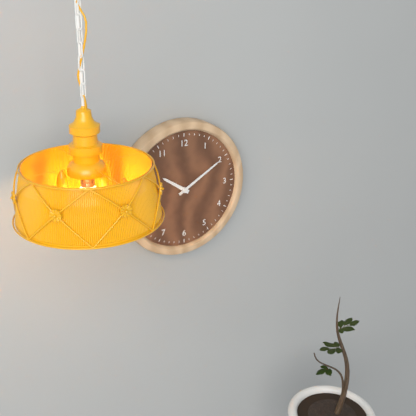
h=10 m=10
